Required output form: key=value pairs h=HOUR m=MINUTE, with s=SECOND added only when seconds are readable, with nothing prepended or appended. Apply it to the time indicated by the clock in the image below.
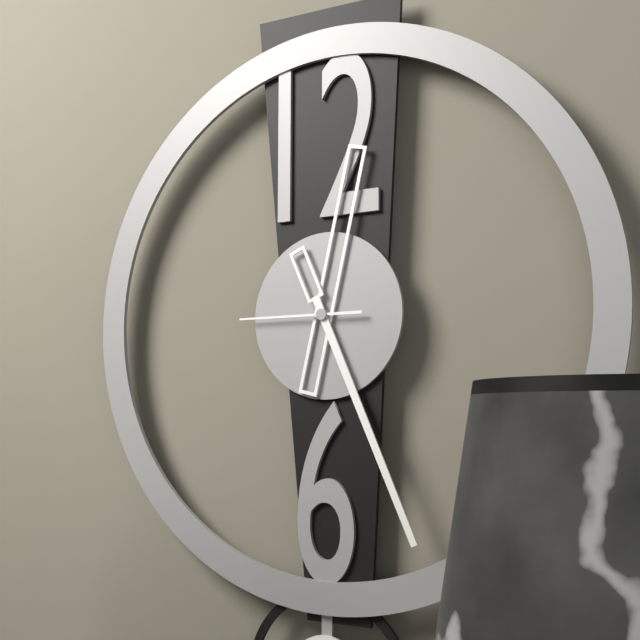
h=12 m=26 s=45
